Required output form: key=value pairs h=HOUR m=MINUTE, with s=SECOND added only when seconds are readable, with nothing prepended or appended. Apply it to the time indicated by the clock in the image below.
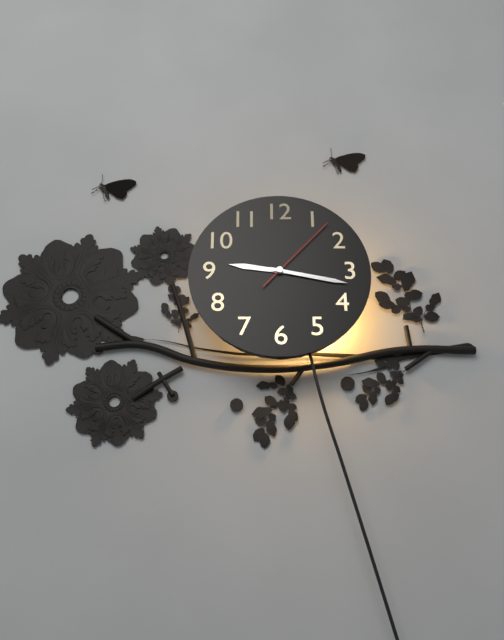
h=9 m=17 s=7
